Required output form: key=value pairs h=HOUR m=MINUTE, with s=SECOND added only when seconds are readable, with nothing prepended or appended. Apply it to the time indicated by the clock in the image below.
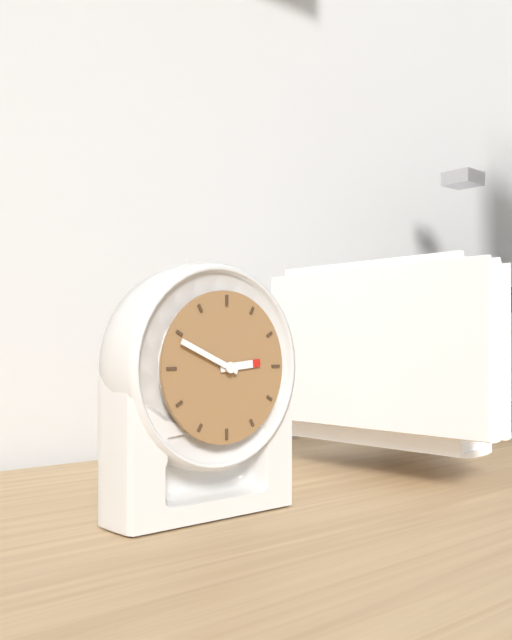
h=2 m=49
